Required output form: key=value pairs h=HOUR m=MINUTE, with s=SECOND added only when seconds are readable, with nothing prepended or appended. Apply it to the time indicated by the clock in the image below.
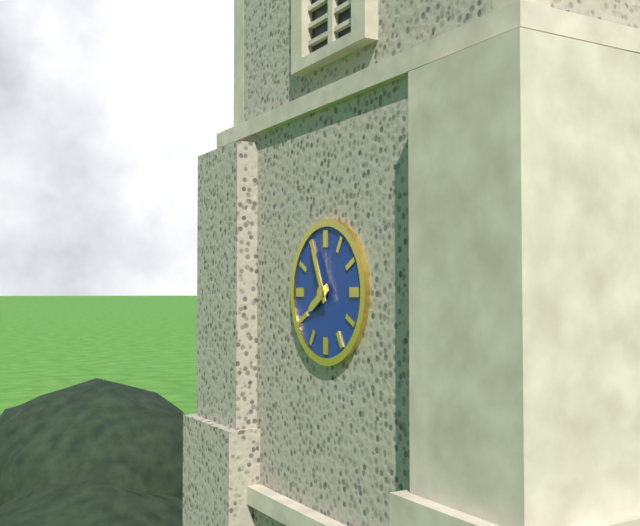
h=7 m=56
